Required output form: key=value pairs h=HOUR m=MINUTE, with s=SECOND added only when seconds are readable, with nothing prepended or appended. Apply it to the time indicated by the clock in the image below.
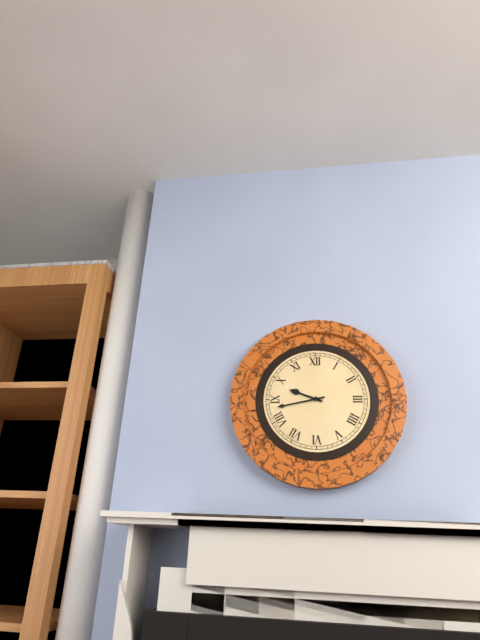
h=9 m=43
